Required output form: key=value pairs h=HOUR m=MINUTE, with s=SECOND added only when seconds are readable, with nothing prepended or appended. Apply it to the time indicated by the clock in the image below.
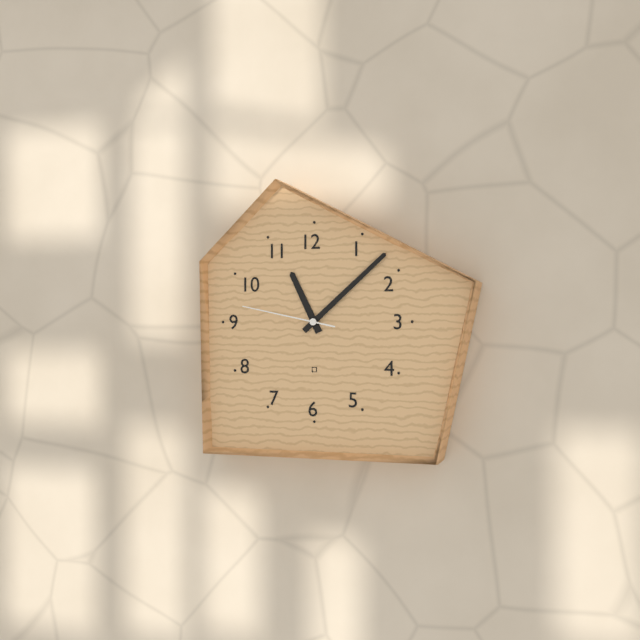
h=11 m=8 s=47
